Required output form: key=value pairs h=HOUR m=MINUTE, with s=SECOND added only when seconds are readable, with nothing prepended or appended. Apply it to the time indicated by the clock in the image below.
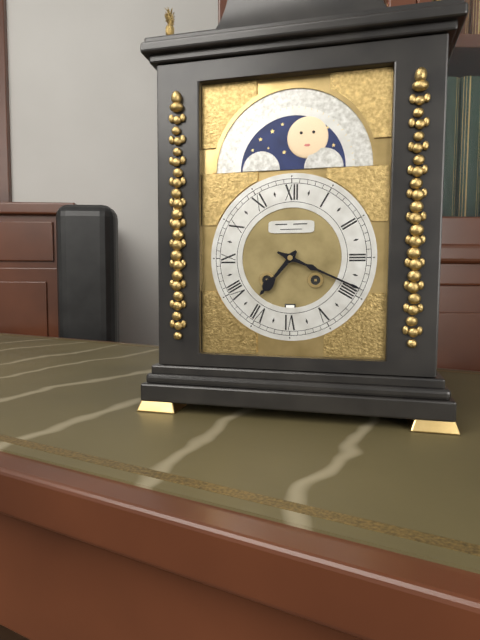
h=7 m=19
